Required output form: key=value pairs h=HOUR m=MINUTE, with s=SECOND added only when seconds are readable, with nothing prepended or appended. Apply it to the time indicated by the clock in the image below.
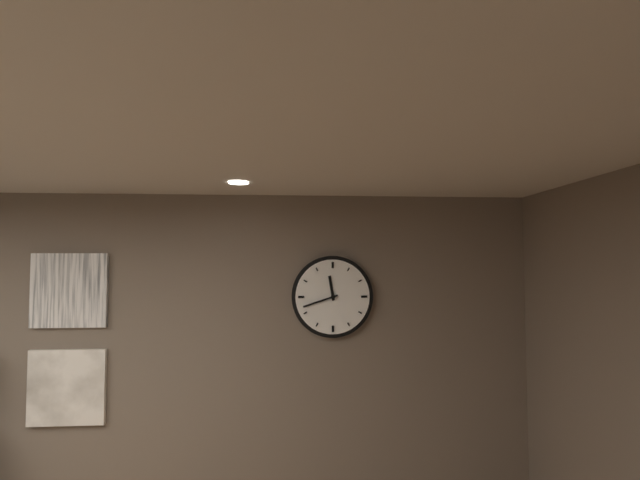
h=11 m=42
